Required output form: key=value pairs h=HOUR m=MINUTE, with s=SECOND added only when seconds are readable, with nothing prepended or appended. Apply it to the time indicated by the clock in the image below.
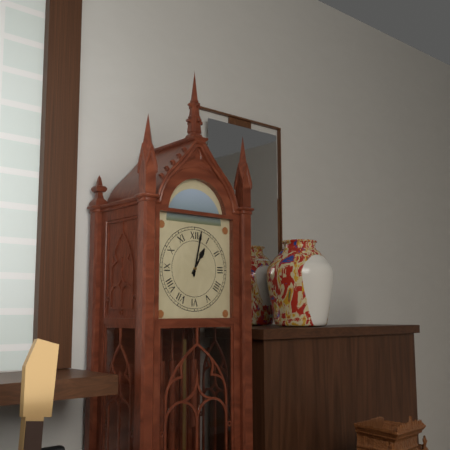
h=1 m=2
